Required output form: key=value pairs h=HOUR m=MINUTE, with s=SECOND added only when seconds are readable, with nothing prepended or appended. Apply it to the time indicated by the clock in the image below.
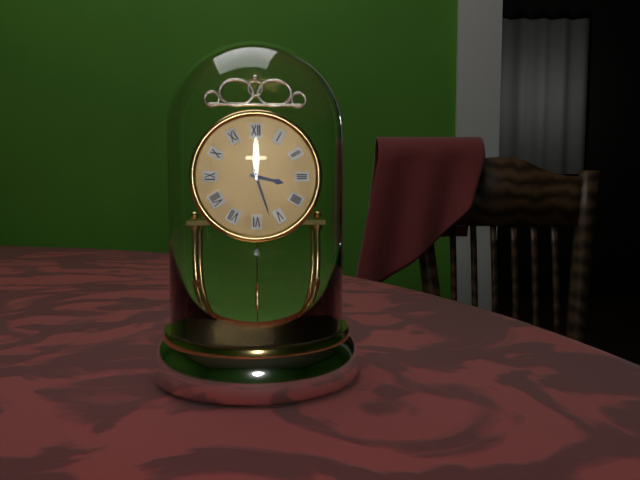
h=3 m=27
